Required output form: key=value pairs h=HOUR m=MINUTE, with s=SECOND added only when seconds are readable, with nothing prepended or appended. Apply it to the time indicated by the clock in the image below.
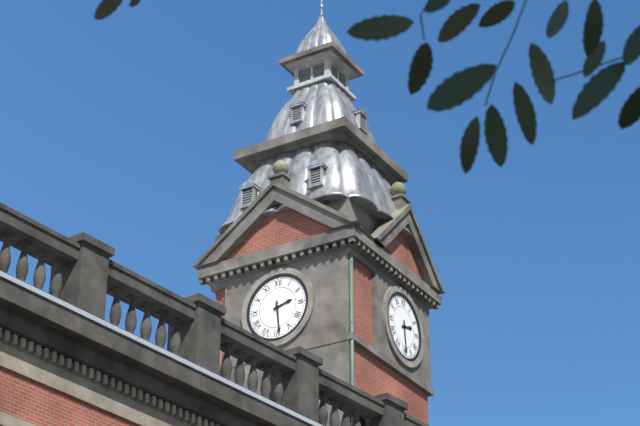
h=2 m=29
